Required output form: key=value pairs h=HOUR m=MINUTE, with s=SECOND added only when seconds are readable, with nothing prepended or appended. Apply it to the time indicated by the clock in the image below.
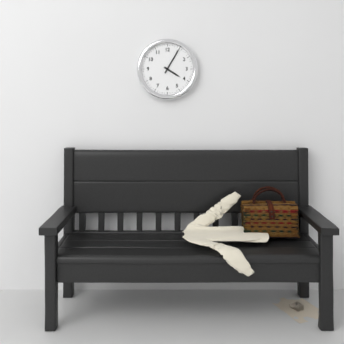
h=4 m=5
